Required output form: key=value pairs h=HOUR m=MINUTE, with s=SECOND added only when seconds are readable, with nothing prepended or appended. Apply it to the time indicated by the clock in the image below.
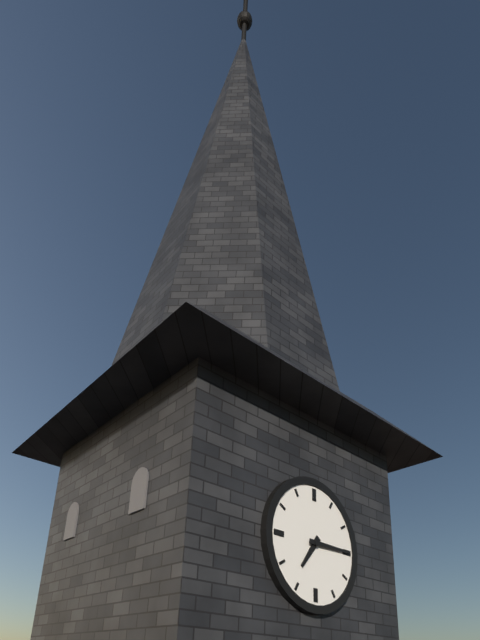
h=7 m=15
